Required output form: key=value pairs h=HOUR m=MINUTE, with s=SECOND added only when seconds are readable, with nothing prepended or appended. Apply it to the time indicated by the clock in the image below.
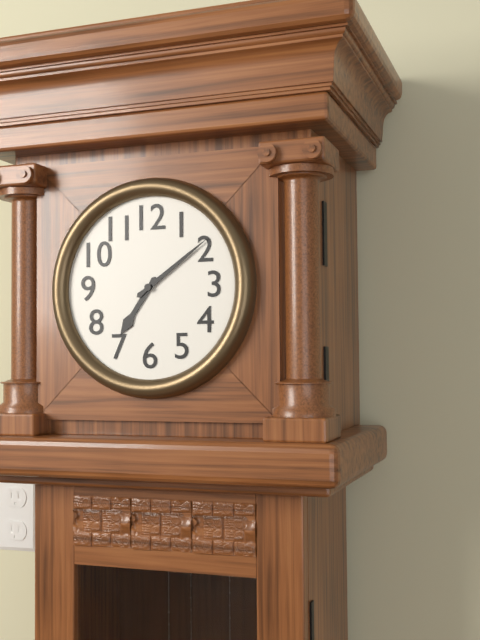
h=7 m=9
